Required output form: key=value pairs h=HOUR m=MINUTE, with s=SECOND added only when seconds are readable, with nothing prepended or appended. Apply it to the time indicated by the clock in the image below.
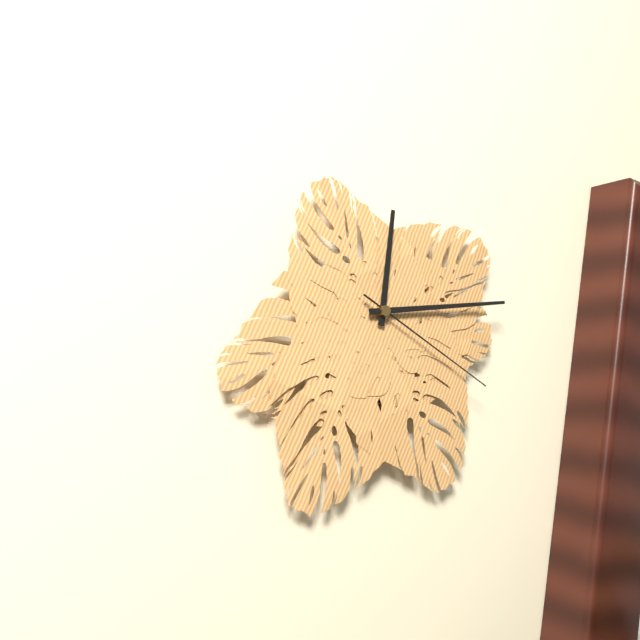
h=12 m=14 s=20
